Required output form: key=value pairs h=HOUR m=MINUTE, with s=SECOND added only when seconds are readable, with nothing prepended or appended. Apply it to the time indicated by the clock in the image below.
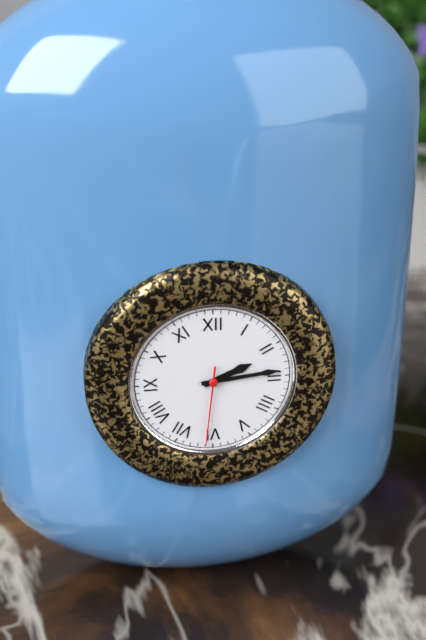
h=2 m=14 s=31
